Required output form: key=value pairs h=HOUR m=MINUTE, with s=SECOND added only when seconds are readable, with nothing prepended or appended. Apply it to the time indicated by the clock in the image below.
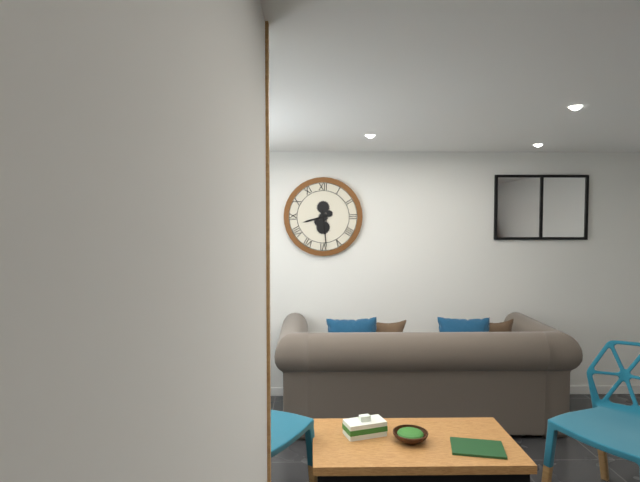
h=8 m=29
